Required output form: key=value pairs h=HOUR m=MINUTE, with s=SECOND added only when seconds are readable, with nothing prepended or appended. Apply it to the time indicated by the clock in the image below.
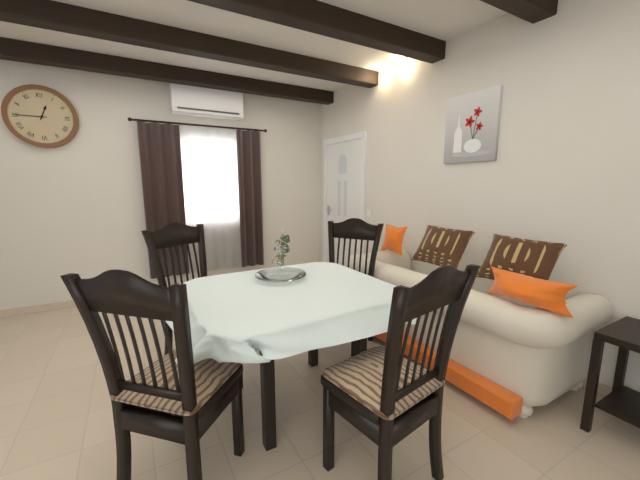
h=12 m=45
